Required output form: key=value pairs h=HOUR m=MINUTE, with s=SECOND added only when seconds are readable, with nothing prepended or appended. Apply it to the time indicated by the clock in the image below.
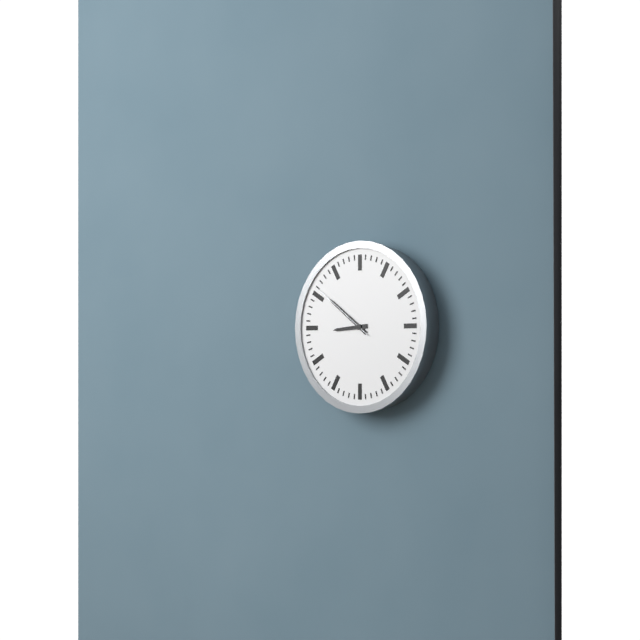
h=8 m=51 s=51
